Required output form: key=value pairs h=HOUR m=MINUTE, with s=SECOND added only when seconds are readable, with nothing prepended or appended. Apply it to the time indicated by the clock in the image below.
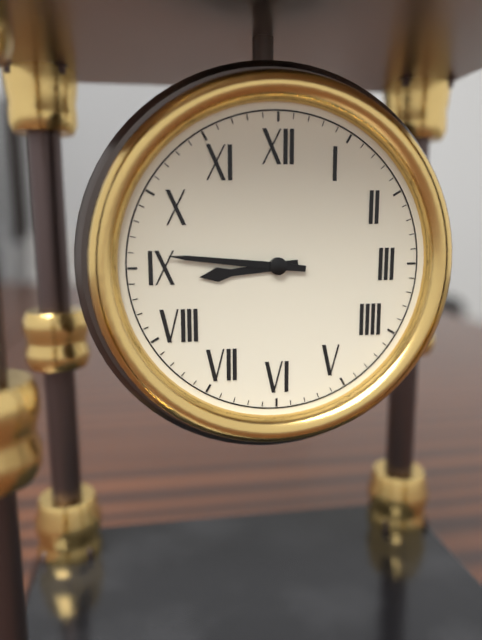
h=8 m=46
